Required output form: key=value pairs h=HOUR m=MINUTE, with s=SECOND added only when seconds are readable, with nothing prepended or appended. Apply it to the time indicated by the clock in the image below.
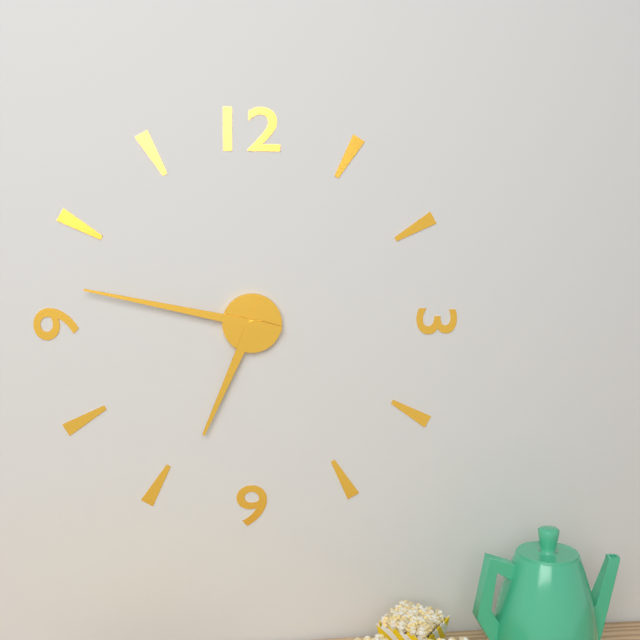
h=6 m=47
